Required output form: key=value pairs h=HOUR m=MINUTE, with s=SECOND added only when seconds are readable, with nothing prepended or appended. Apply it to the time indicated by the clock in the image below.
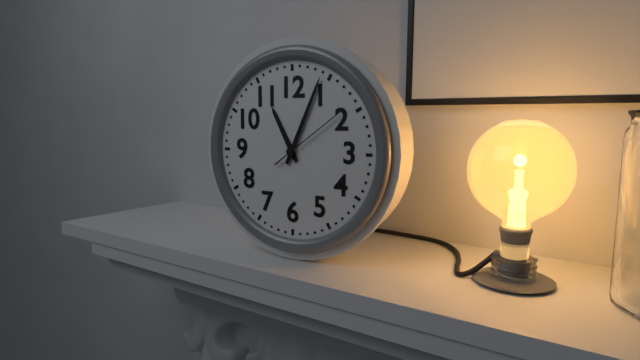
h=11 m=4 s=9
